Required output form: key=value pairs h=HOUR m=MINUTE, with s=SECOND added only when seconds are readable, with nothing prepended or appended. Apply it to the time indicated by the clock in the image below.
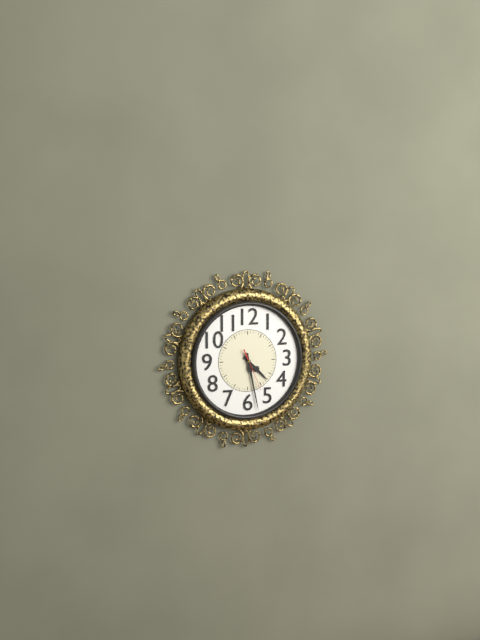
h=4 m=28
